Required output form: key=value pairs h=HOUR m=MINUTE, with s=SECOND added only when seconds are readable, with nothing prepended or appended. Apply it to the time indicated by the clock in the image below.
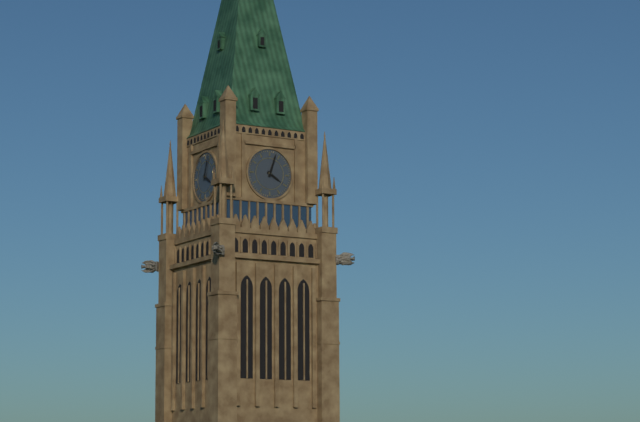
h=4 m=3
